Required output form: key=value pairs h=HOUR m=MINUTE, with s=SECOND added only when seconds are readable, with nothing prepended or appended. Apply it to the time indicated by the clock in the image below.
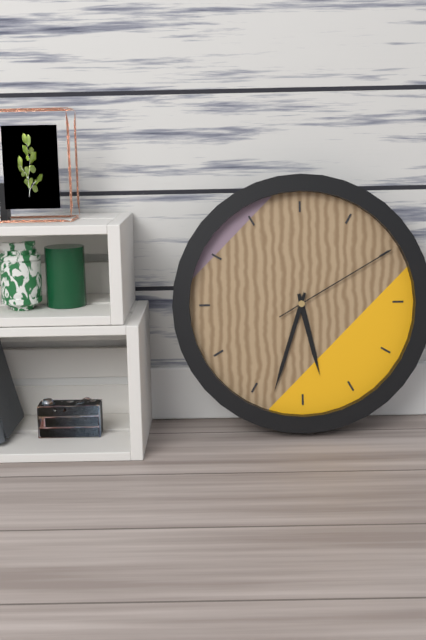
h=5 m=33 s=10
